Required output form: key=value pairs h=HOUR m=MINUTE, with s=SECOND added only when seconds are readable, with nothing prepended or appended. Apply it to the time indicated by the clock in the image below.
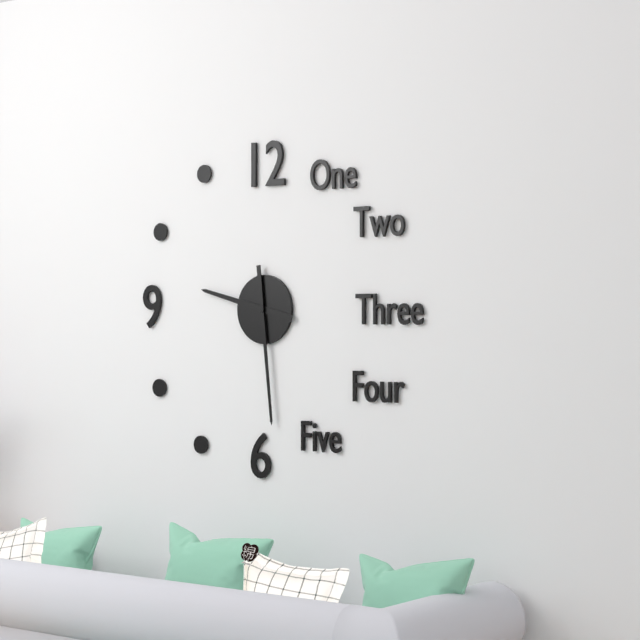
h=9 m=29
